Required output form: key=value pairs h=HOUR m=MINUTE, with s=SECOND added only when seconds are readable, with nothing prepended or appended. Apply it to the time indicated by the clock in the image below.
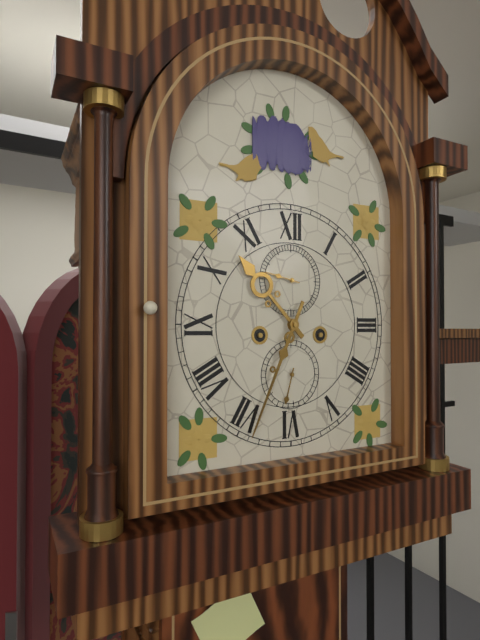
h=10 m=34
